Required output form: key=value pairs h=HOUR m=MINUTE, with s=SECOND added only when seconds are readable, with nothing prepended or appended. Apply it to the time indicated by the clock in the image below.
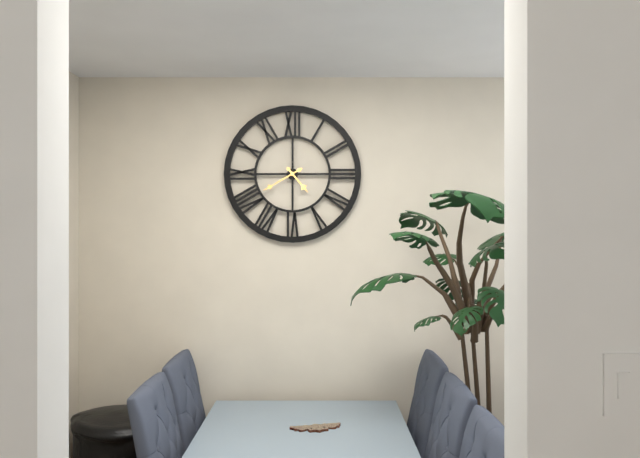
h=4 m=40
